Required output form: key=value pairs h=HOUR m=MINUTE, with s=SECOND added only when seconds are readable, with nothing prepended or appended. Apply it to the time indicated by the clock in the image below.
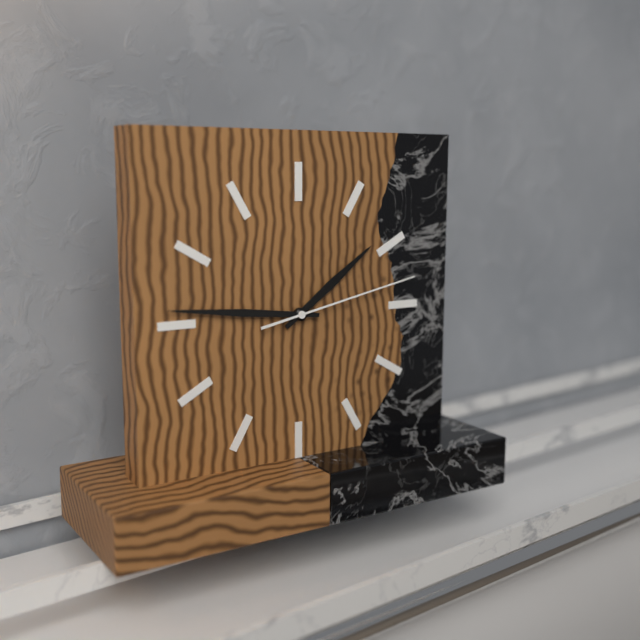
h=1 m=46 s=13
